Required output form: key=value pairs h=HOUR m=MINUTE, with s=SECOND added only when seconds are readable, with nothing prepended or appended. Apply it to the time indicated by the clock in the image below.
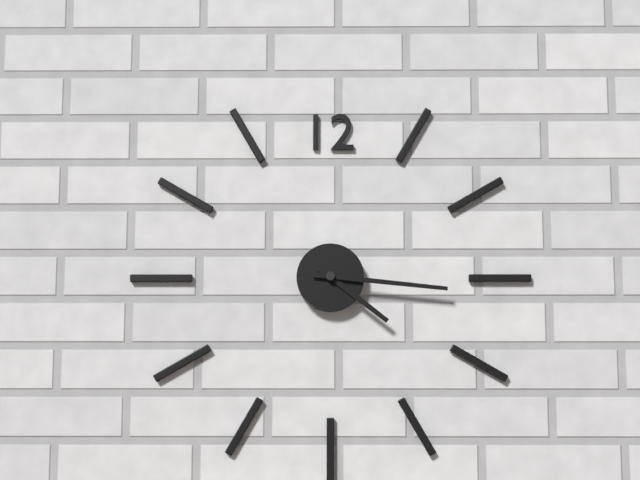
h=4 m=16
